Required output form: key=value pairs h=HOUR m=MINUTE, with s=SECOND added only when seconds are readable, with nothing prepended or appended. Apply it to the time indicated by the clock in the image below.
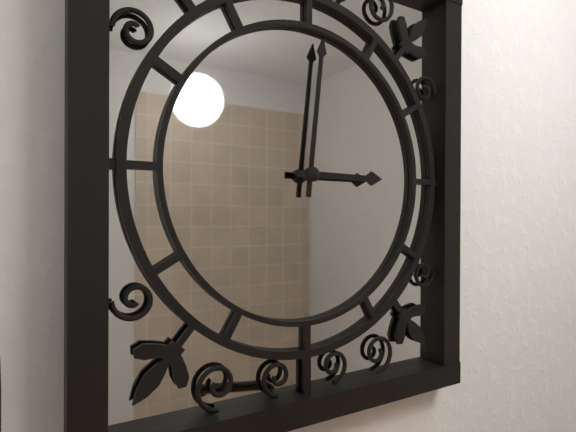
h=3 m=1
